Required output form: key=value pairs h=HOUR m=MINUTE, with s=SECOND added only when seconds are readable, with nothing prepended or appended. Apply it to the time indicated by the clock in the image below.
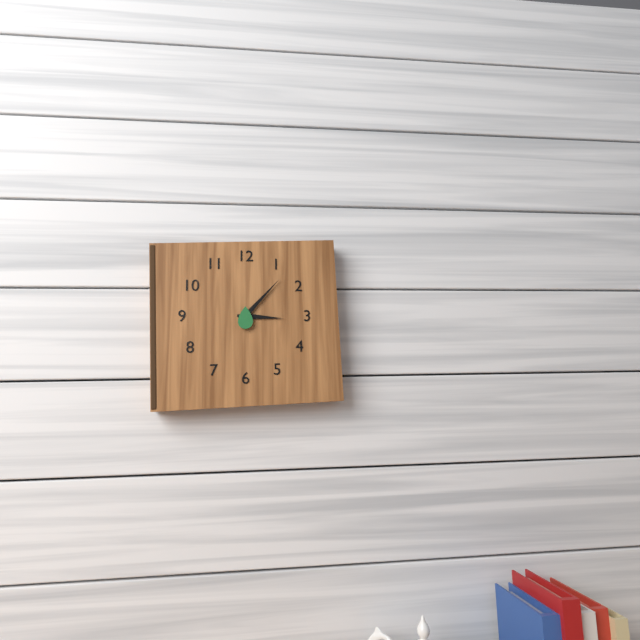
h=3 m=7
